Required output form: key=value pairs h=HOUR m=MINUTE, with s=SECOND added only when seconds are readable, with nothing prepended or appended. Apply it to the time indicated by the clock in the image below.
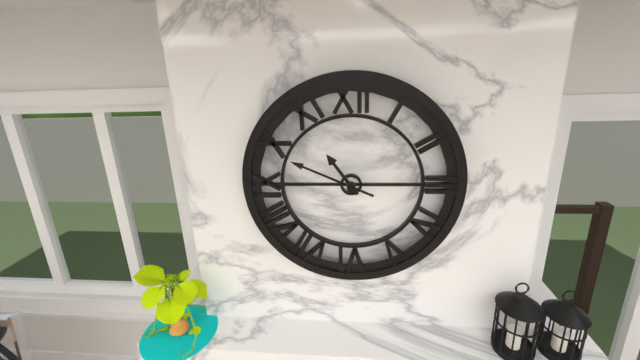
h=10 m=49
